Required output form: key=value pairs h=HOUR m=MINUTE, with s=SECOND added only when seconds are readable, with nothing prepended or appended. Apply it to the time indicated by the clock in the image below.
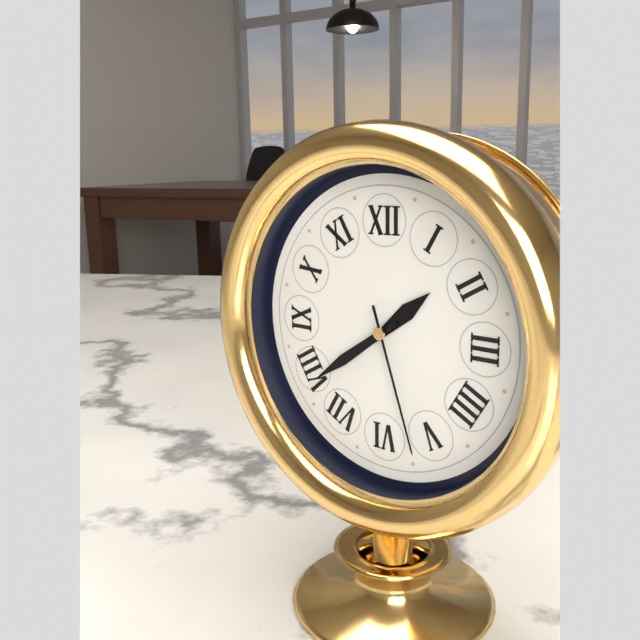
h=1 m=39 s=27
